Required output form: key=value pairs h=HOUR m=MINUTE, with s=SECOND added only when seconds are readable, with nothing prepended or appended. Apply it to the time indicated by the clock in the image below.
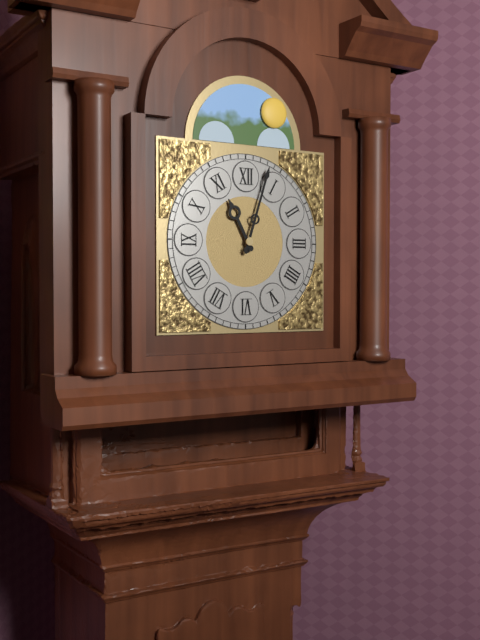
h=11 m=3
